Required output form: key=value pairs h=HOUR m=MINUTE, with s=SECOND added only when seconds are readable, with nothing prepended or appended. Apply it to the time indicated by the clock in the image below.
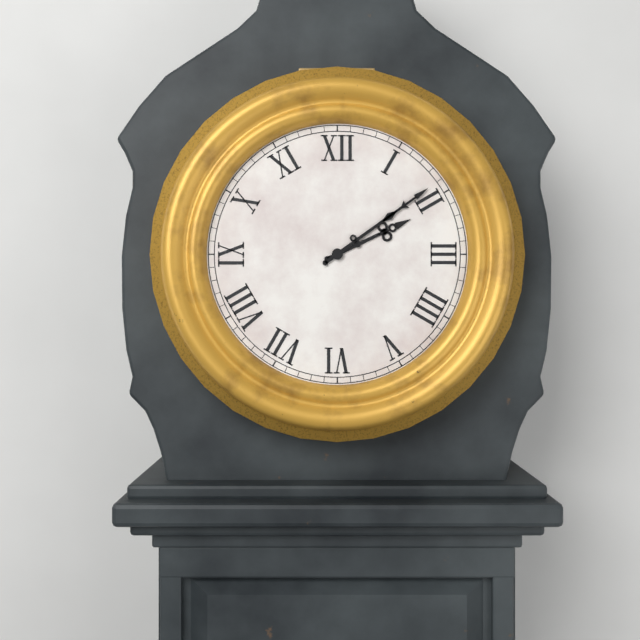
h=2 m=9
